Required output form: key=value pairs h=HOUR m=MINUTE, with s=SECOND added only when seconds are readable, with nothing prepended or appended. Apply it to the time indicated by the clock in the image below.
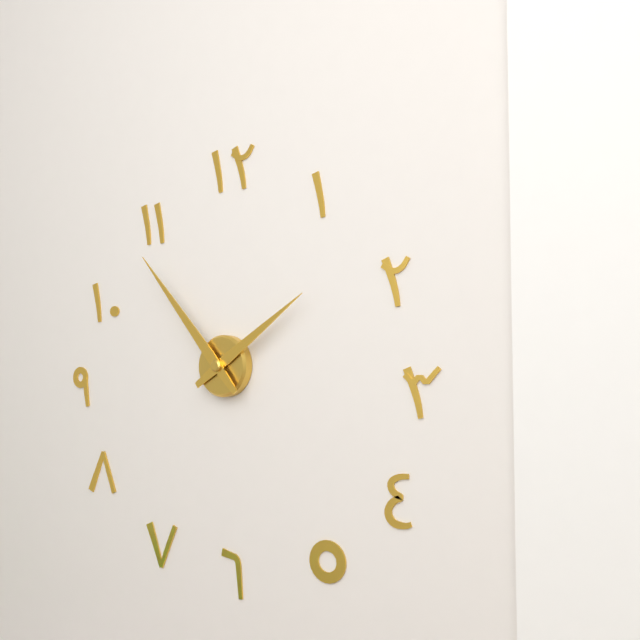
h=1 m=53
